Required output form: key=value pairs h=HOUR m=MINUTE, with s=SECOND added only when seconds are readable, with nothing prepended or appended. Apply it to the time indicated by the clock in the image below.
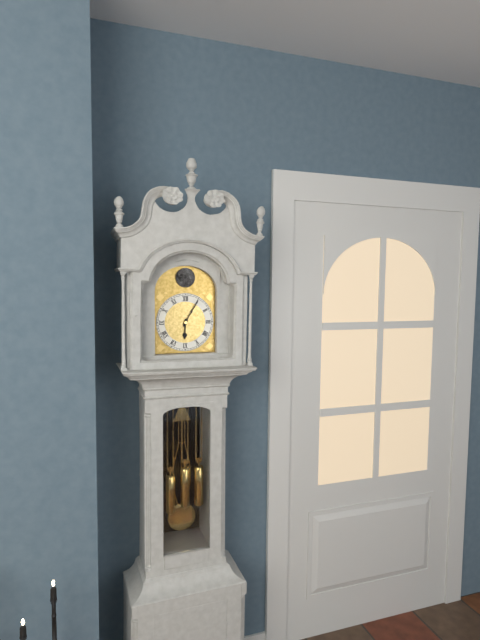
h=6 m=5
